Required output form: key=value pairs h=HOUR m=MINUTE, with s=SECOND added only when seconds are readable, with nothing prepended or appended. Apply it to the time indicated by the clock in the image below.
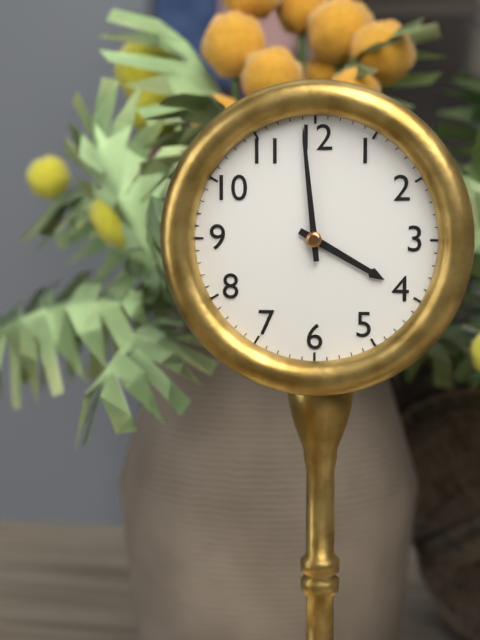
h=3 m=59
